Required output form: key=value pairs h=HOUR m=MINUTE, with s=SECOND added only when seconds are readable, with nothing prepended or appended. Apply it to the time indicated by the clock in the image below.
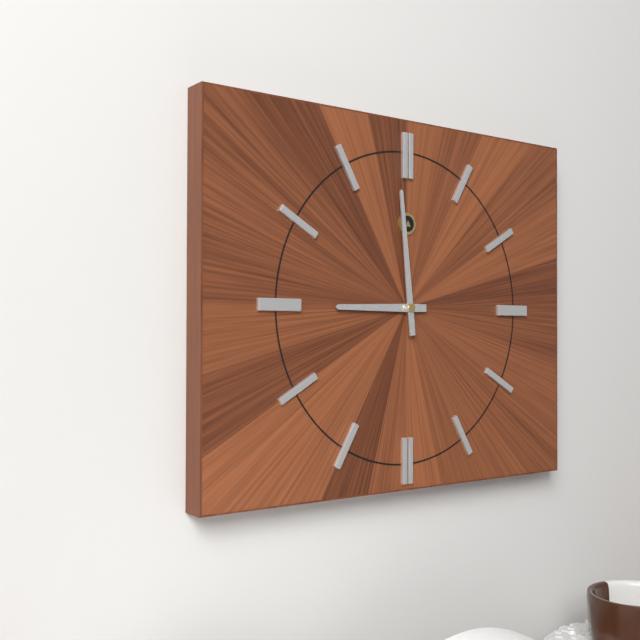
h=8 m=59
